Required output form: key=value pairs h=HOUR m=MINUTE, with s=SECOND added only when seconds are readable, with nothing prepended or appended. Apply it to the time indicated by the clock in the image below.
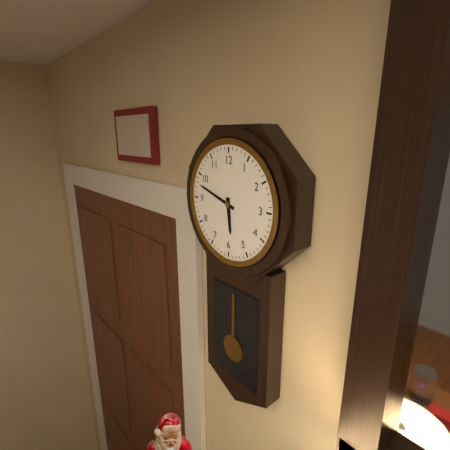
h=5 m=48
